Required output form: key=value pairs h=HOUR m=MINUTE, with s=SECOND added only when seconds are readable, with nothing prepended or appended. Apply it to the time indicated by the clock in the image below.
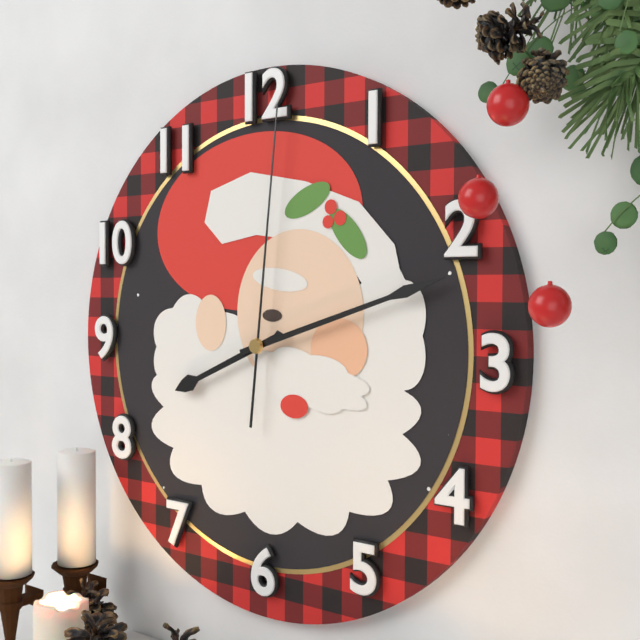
h=8 m=12 s=1
